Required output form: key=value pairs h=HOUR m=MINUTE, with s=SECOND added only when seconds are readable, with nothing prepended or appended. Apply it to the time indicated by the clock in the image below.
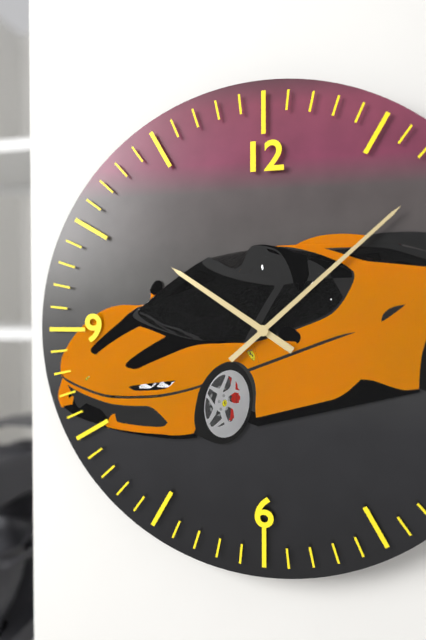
h=10 m=8
